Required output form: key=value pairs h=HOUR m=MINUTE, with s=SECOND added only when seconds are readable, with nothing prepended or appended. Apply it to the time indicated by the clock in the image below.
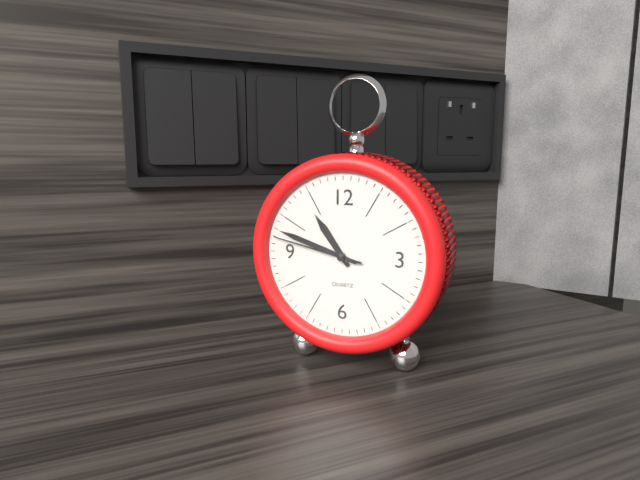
h=10 m=48 s=47
